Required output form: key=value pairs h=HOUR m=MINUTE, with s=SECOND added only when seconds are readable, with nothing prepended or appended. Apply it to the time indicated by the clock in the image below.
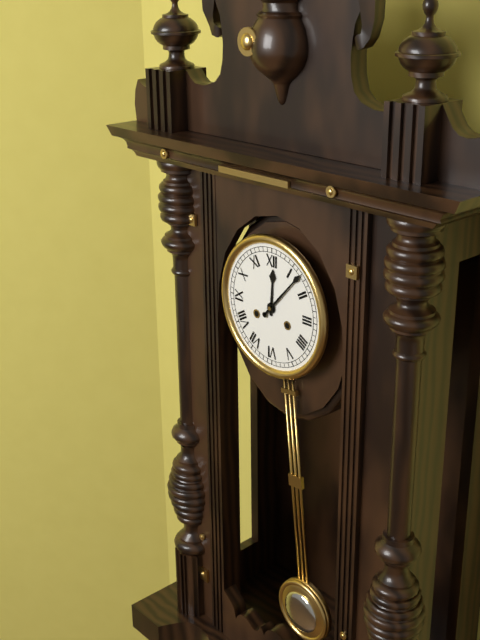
h=12 m=7
